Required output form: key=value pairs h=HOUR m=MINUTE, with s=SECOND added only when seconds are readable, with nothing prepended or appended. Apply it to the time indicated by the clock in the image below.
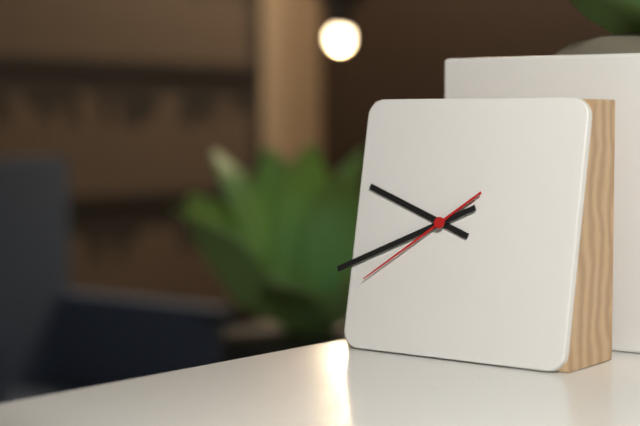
h=9 m=41 s=39
